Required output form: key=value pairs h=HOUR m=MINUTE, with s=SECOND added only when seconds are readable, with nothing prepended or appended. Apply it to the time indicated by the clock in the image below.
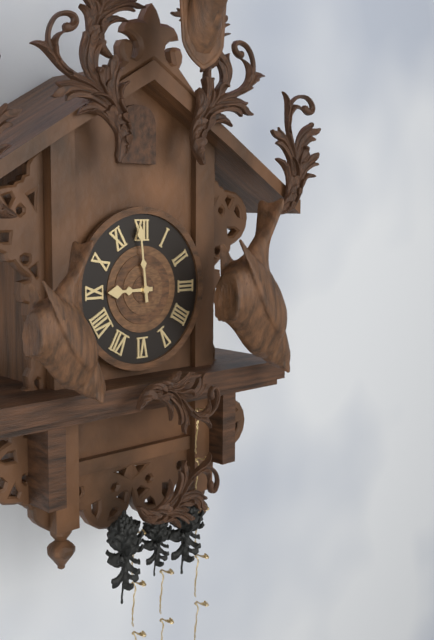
h=8 m=59
